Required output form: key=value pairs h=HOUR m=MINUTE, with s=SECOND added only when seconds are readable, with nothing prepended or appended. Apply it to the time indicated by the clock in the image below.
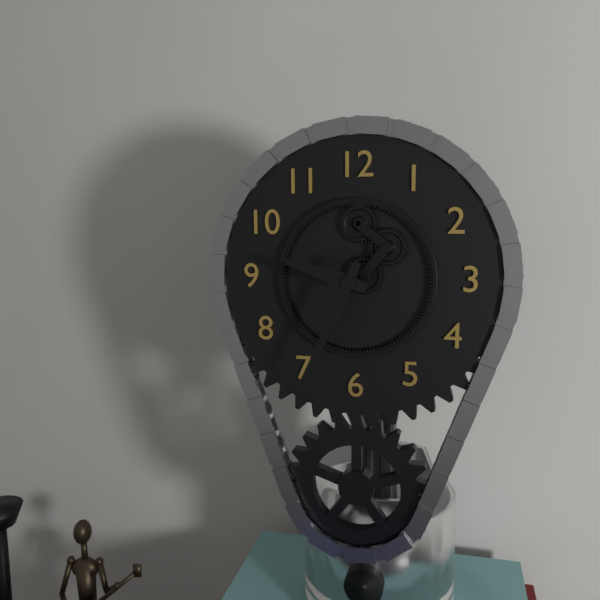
h=9 m=34
